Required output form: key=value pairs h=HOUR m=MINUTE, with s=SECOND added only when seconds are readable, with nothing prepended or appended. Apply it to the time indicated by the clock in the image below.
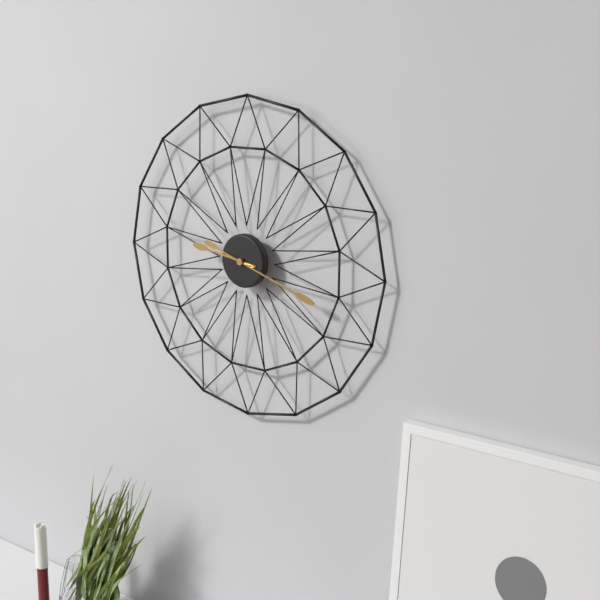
h=9 m=18
